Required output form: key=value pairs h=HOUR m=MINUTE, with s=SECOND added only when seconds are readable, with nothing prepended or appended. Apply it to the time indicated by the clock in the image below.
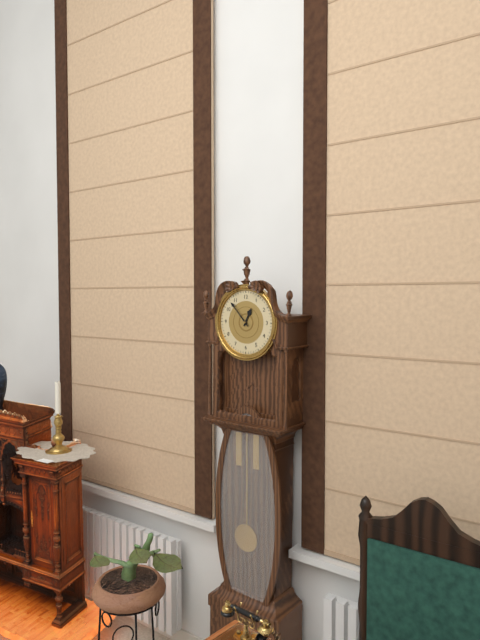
h=12 m=53
